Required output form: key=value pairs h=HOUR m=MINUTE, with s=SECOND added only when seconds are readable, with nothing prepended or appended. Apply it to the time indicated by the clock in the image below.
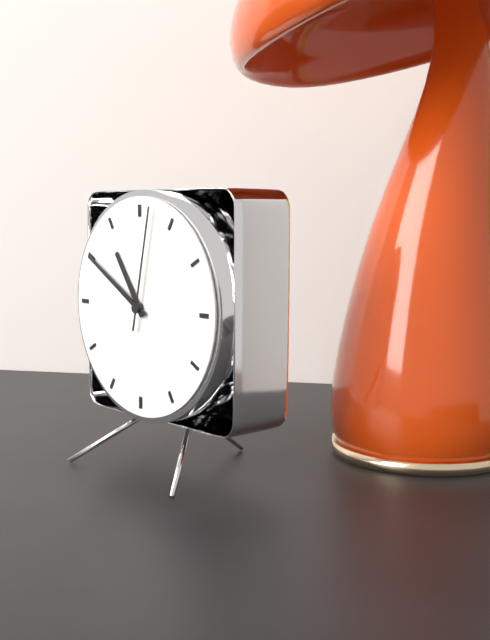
h=10 m=50 s=2
